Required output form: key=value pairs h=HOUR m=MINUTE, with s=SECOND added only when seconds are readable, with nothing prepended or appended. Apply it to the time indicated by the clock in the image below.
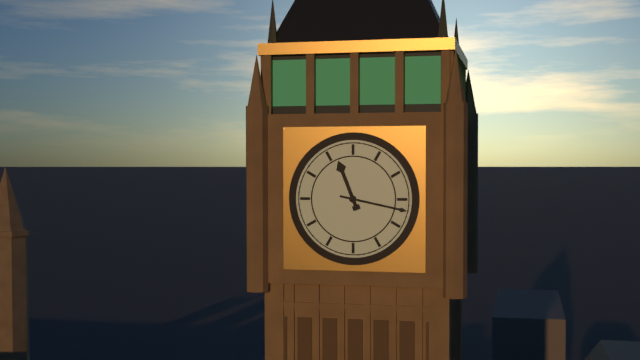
h=11 m=17
